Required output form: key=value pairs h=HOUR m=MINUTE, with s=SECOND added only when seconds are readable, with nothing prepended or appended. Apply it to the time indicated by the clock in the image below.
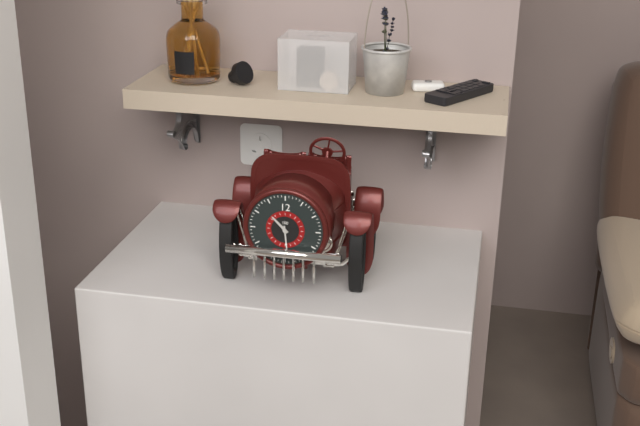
h=10 m=29
